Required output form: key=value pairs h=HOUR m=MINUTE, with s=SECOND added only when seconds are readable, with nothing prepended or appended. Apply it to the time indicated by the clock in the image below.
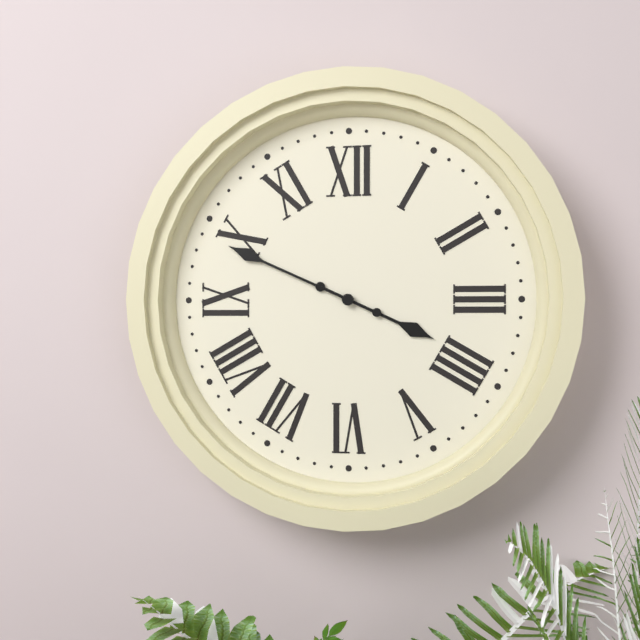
h=3 m=49
